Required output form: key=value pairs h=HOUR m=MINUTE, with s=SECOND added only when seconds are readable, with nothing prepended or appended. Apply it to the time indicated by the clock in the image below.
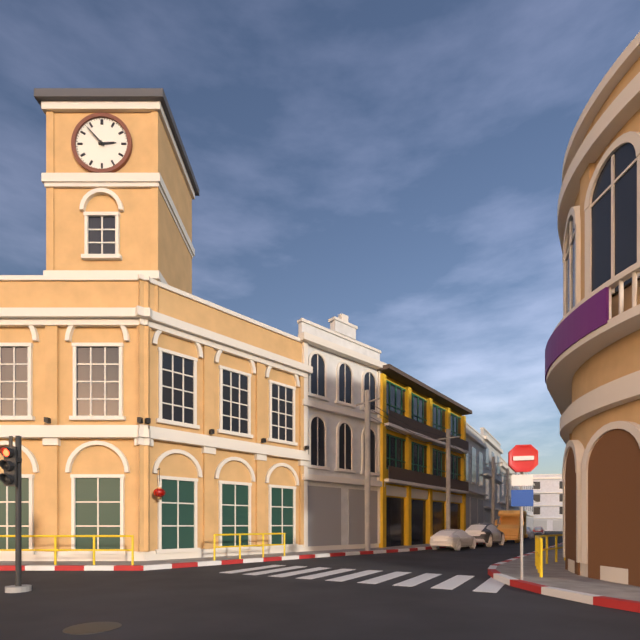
h=2 m=53
